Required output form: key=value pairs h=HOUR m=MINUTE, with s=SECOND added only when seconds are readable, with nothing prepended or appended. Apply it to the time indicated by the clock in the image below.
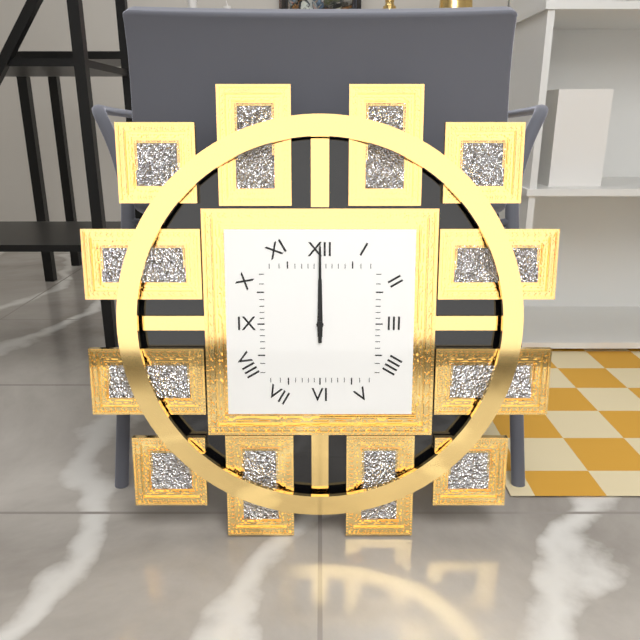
h=12 m=0
